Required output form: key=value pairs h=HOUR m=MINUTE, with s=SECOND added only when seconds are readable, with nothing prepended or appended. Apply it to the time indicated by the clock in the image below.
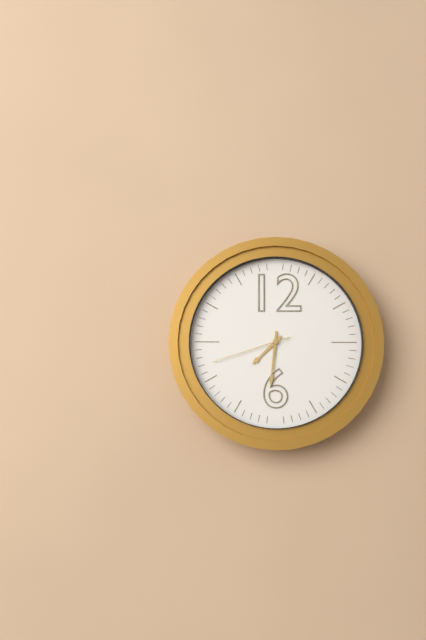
h=7 m=31 s=42
